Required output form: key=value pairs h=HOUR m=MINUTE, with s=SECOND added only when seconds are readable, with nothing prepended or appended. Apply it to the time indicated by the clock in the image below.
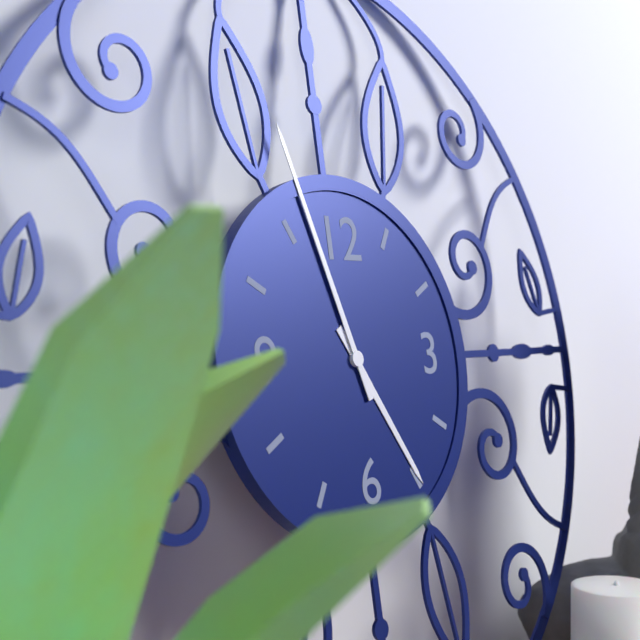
h=4 m=57
